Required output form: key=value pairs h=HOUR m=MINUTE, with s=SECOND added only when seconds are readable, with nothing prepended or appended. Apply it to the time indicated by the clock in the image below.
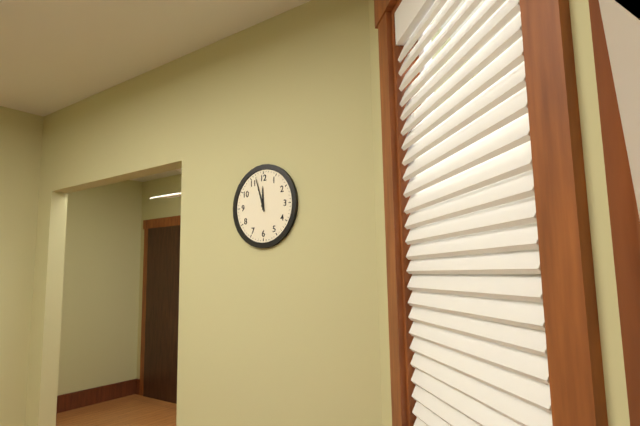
h=11 m=57
